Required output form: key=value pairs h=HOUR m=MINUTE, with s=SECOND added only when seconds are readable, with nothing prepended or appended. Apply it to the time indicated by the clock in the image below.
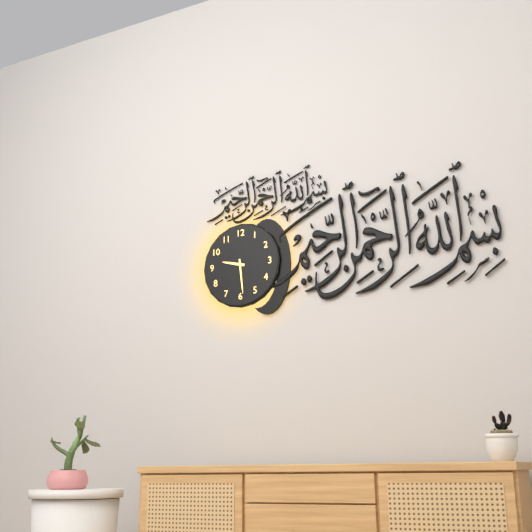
h=9 m=29
